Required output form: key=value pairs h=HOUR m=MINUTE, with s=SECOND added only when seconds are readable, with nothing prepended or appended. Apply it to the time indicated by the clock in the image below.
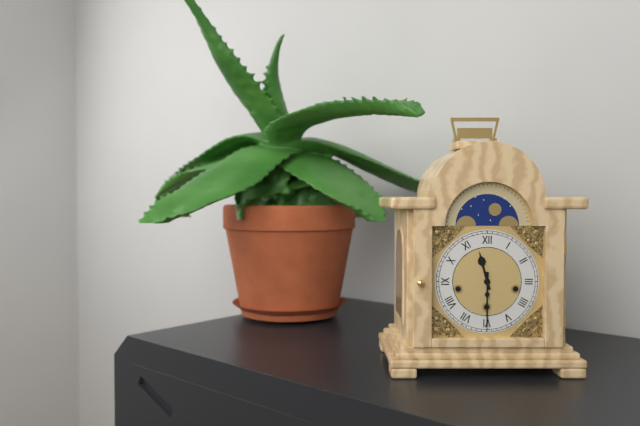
h=11 m=30
